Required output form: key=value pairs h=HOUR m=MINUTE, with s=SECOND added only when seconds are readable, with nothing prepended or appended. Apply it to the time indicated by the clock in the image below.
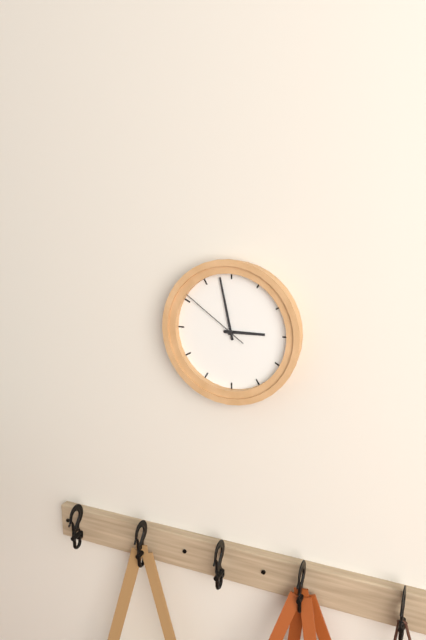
h=2 m=58 s=51
